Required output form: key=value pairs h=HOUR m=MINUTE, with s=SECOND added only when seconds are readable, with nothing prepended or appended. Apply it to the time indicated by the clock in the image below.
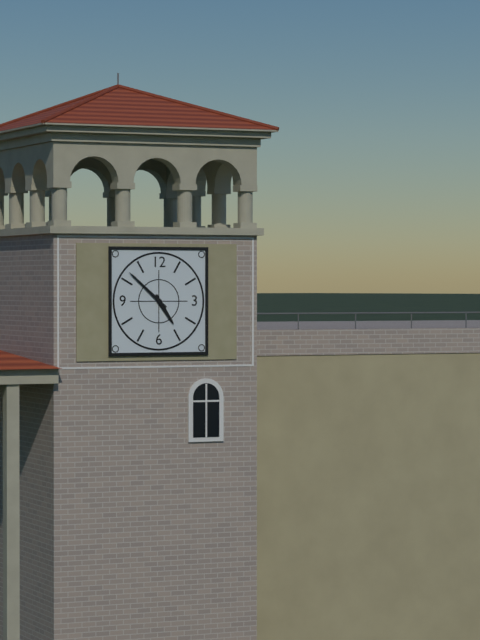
h=4 m=52
